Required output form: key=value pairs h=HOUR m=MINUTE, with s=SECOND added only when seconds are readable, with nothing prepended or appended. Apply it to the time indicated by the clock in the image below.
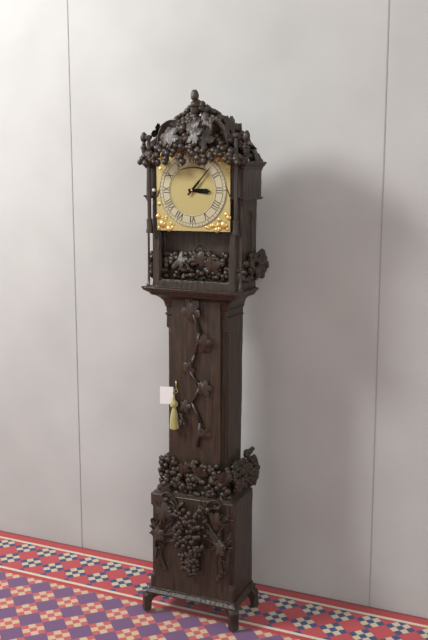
h=3 m=7
